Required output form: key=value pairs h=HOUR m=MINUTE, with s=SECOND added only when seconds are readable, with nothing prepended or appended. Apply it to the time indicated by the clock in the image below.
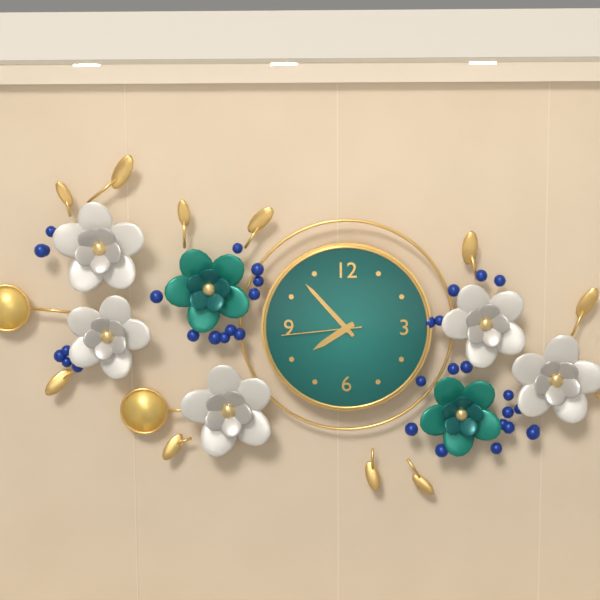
h=7 m=53 s=44
